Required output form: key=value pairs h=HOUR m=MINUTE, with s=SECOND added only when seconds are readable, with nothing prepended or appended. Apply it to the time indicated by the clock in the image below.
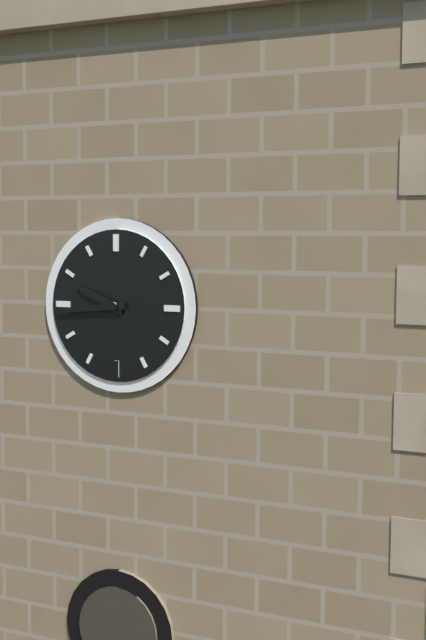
h=9 m=44
